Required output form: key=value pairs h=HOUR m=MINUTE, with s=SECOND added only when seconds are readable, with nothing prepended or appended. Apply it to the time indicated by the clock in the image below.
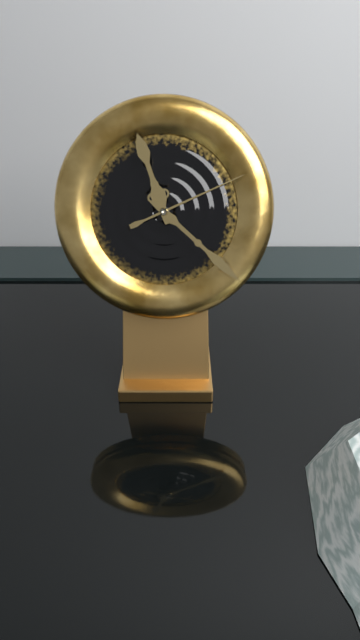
h=11 m=22 s=11
